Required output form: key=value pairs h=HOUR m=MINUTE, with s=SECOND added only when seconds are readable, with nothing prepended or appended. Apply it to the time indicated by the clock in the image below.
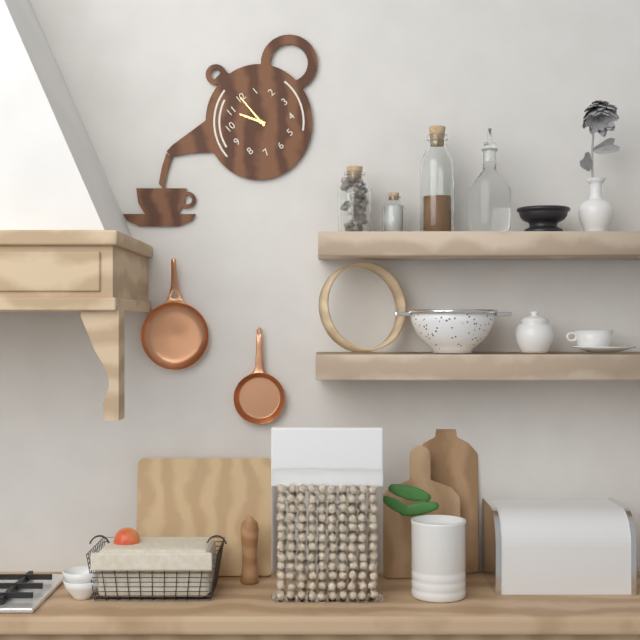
h=11 m=0
